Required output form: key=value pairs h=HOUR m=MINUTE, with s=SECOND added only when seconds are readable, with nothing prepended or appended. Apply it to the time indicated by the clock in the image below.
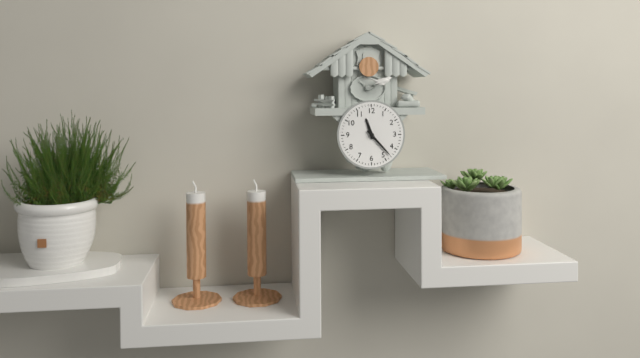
h=11 m=23
